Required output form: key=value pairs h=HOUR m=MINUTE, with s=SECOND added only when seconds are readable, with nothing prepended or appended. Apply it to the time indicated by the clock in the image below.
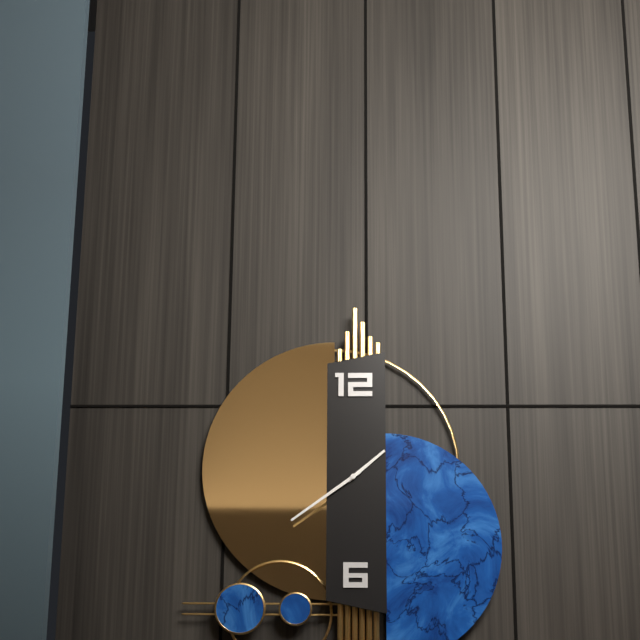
h=1 m=39
